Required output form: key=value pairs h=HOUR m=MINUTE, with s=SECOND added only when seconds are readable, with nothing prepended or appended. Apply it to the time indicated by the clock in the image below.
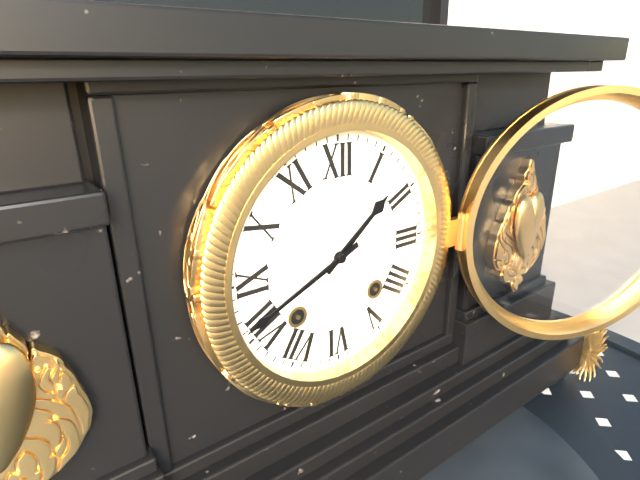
h=1 m=41
